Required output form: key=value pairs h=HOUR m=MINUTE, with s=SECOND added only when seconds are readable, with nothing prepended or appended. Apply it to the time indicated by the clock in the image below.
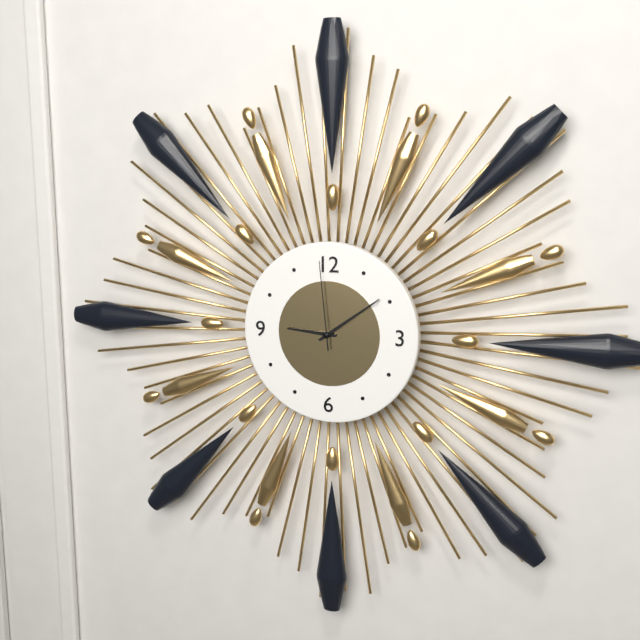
h=9 m=9 s=59
